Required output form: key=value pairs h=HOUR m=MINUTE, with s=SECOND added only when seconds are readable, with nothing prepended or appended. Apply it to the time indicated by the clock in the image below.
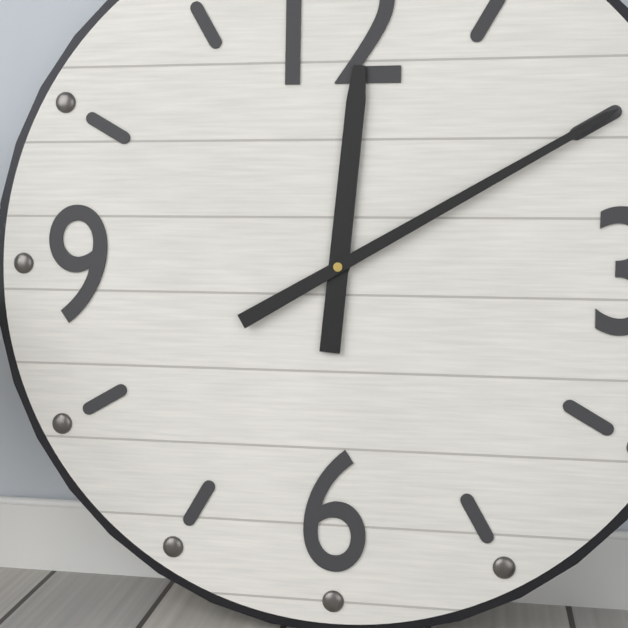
h=12 m=10
